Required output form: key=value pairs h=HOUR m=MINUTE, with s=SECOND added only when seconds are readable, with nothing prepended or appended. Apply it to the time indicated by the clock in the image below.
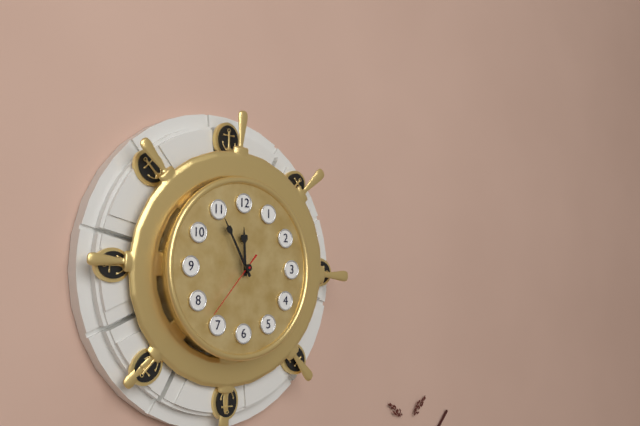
h=11 m=55 s=37
